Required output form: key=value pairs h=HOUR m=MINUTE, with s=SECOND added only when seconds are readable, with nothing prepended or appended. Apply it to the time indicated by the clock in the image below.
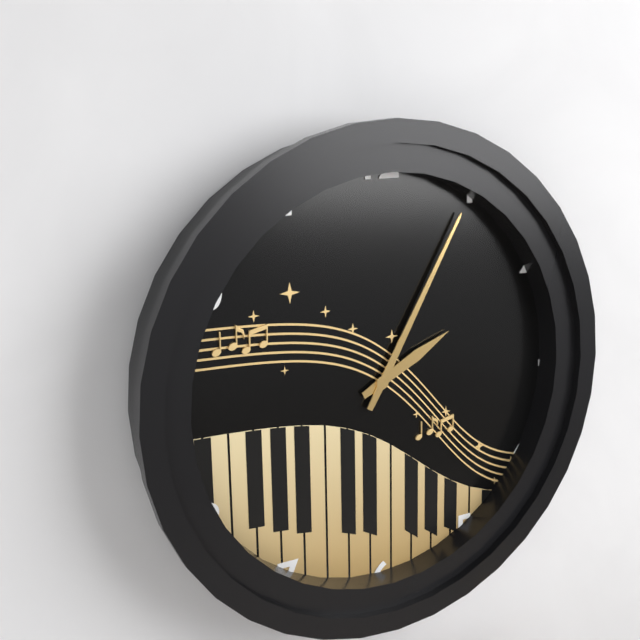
h=2 m=5
